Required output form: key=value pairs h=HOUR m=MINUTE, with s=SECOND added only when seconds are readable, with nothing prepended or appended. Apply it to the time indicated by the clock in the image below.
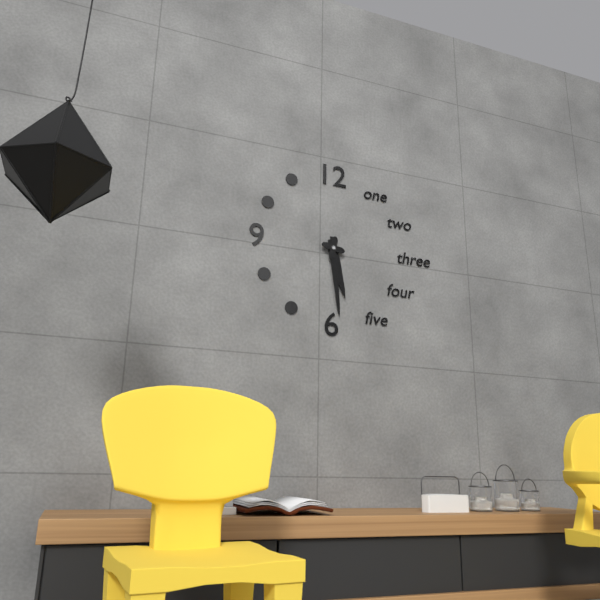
h=5 m=29
